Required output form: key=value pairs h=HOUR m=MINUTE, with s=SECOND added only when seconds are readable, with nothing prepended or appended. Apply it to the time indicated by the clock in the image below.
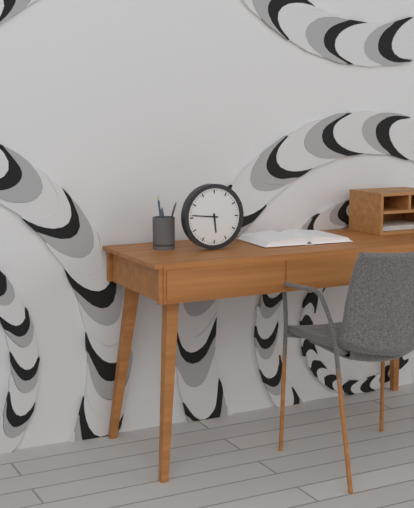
h=5 m=46
